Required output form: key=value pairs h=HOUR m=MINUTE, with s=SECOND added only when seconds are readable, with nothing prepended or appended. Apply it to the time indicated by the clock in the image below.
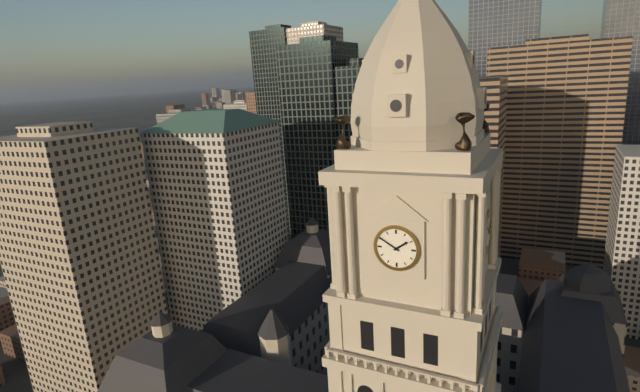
h=1 m=50
